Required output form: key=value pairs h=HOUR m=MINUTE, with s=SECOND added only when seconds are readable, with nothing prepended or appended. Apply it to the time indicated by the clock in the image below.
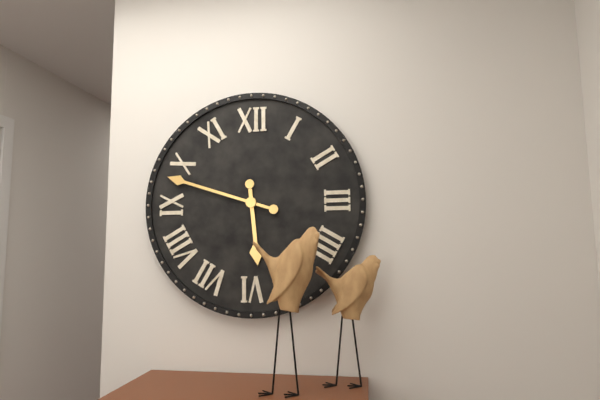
h=5 m=48
